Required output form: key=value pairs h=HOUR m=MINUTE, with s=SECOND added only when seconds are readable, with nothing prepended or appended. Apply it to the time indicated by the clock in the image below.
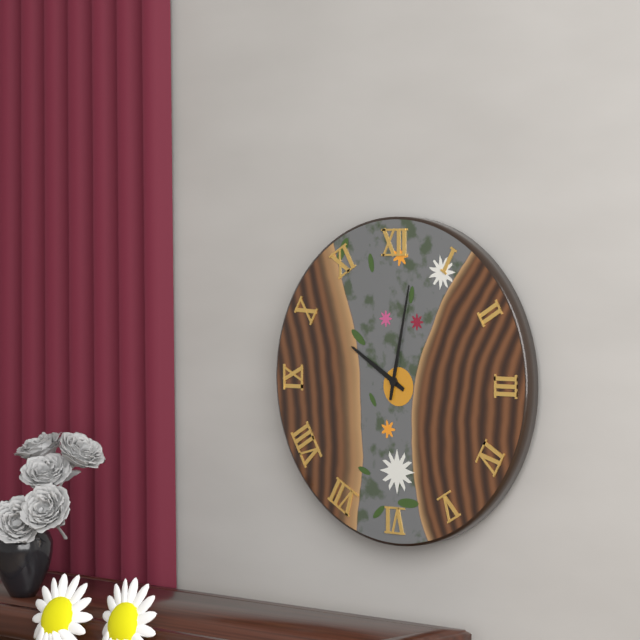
h=10 m=2
